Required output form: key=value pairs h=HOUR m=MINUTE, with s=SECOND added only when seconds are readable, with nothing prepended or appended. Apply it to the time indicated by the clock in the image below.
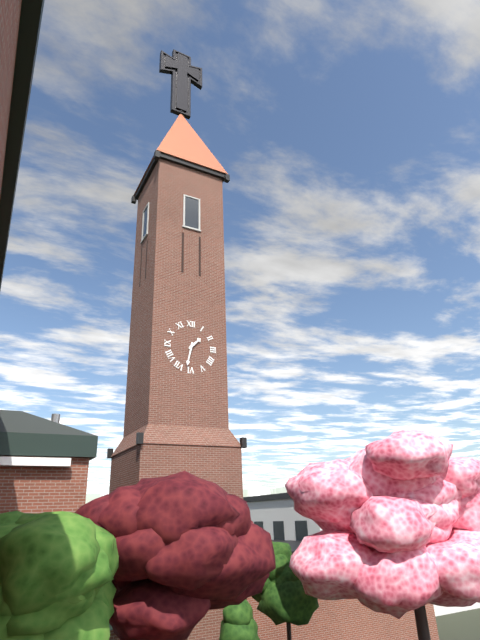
h=1 m=32
